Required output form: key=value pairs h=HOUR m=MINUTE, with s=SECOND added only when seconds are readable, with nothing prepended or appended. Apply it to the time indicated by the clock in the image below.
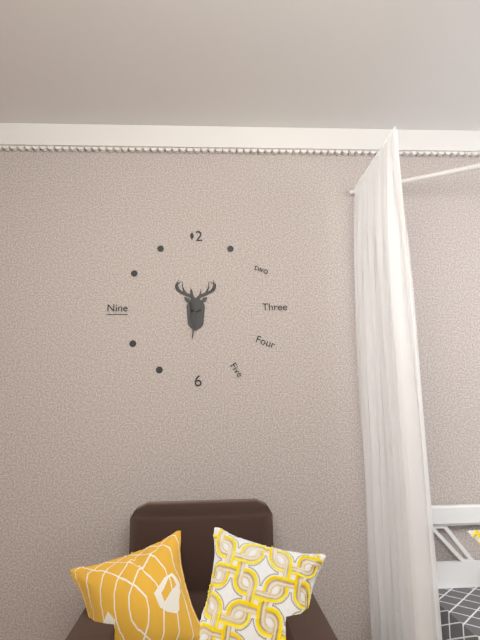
h=11 m=31
